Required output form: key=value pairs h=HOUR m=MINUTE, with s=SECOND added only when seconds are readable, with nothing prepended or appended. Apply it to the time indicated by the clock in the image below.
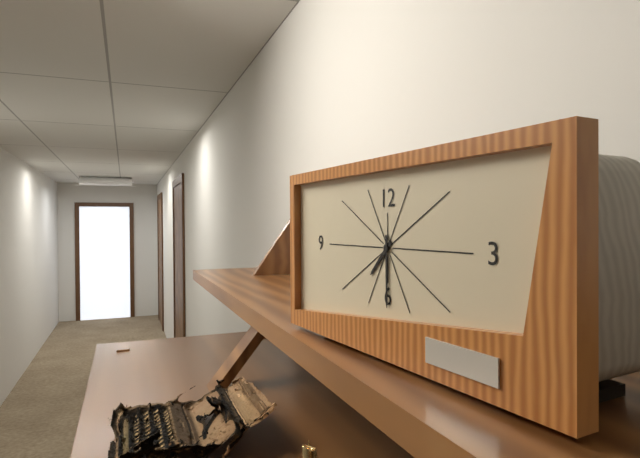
h=7 m=30
